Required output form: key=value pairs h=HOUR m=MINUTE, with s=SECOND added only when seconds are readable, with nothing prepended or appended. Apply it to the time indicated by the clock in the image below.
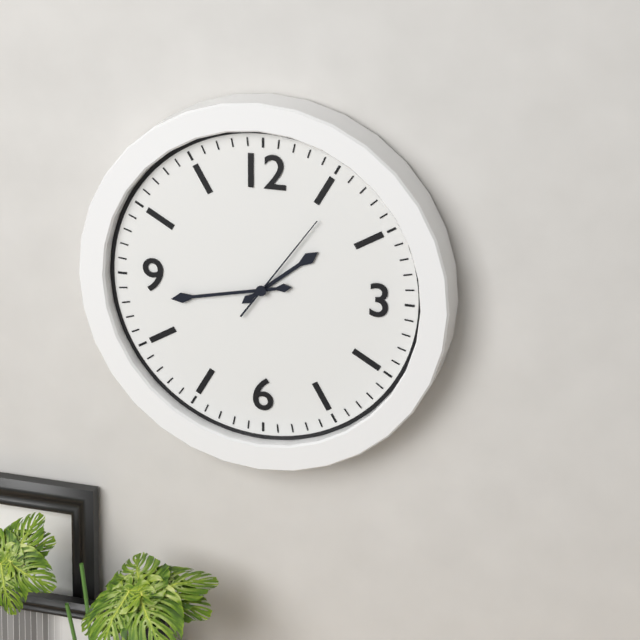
h=1 m=43 s=6
